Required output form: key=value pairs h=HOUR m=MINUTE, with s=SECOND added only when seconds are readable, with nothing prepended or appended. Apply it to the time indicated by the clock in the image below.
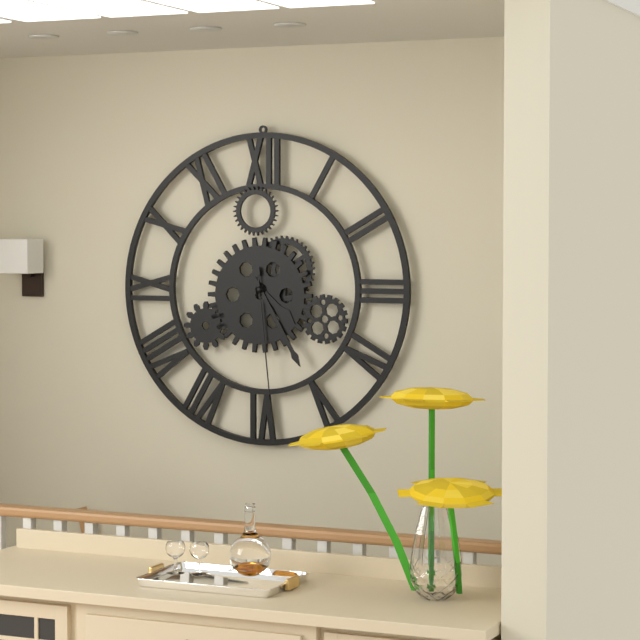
h=4 m=25 s=29
